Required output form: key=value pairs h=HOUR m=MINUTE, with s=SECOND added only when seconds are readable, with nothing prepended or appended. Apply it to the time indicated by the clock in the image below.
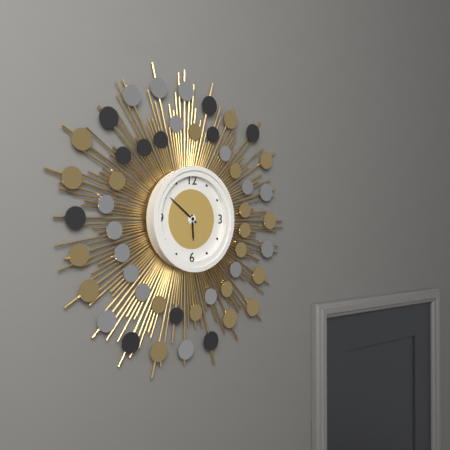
h=5 m=51
